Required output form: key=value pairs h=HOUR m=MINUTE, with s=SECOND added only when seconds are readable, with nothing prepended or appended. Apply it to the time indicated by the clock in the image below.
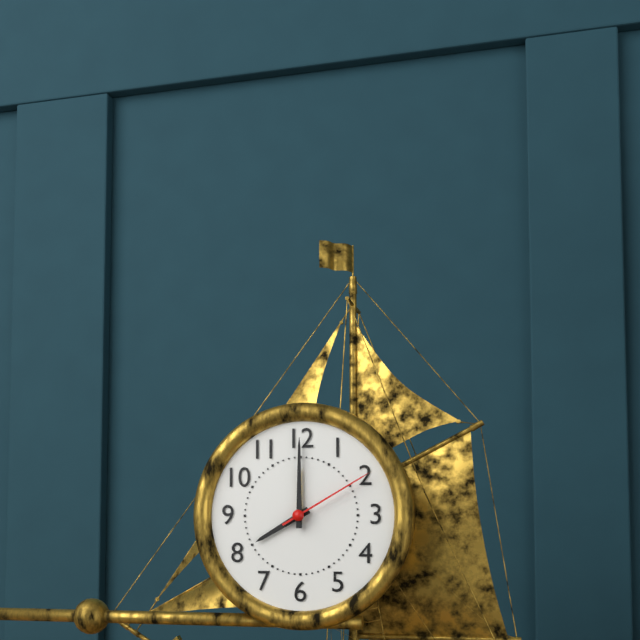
h=8 m=0 s=10
